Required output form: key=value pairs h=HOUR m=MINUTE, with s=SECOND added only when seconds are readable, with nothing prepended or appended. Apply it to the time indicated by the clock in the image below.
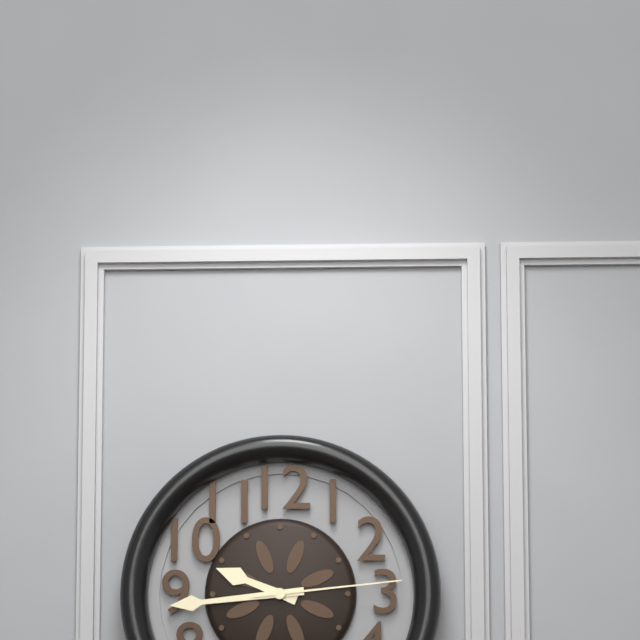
h=9 m=44 s=14
